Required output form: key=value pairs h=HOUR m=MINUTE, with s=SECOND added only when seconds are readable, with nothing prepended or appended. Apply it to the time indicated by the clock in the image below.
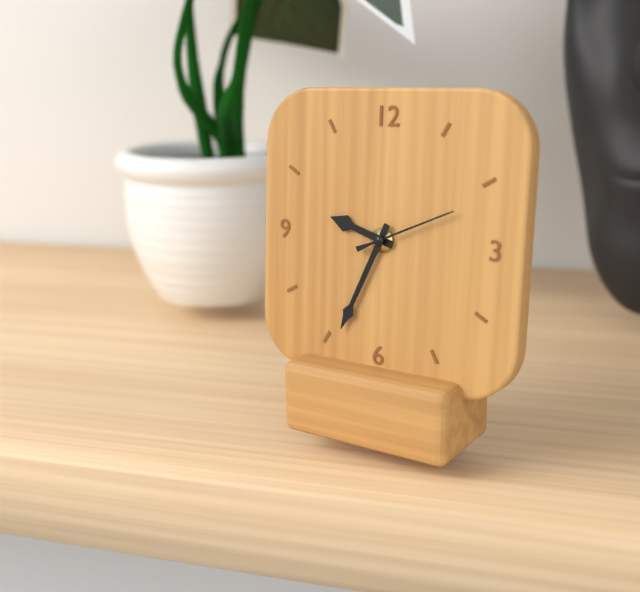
h=9 m=34 s=11
